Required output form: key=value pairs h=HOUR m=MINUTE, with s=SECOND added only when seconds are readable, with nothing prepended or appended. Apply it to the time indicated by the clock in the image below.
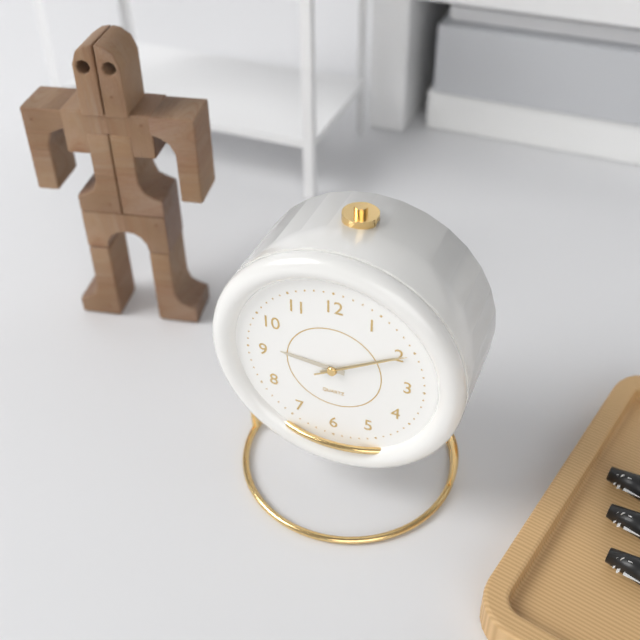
h=9 m=10 s=10
